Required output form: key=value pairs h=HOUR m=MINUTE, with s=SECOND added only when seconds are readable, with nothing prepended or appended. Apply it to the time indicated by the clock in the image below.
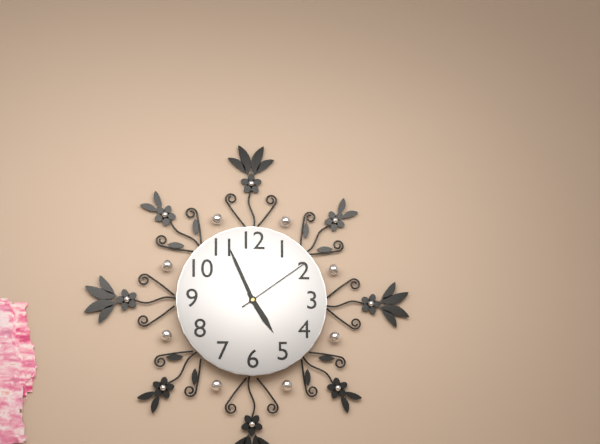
h=4 m=56 s=9
